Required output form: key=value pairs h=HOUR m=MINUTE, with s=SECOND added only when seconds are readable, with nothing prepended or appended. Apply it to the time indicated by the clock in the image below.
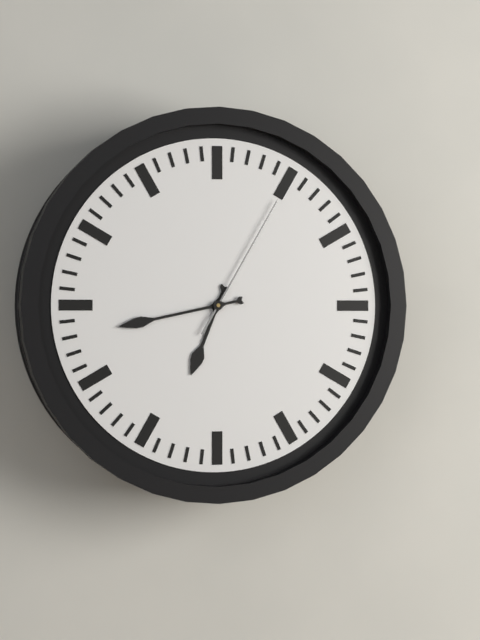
h=6 m=43 s=5
